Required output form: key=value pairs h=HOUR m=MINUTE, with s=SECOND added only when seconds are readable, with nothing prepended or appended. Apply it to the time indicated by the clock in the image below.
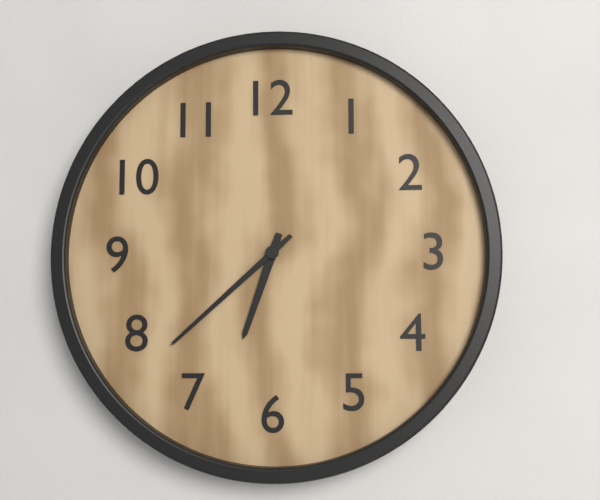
h=6 m=38
